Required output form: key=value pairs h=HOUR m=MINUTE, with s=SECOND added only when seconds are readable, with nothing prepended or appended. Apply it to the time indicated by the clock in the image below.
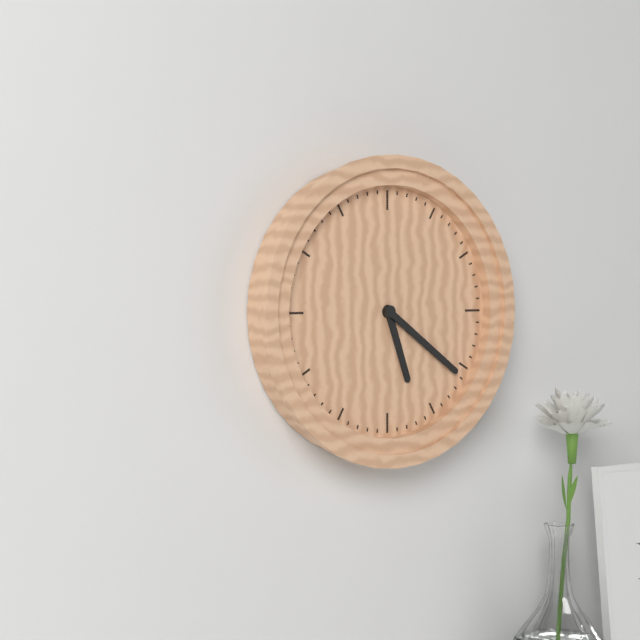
h=5 m=21
